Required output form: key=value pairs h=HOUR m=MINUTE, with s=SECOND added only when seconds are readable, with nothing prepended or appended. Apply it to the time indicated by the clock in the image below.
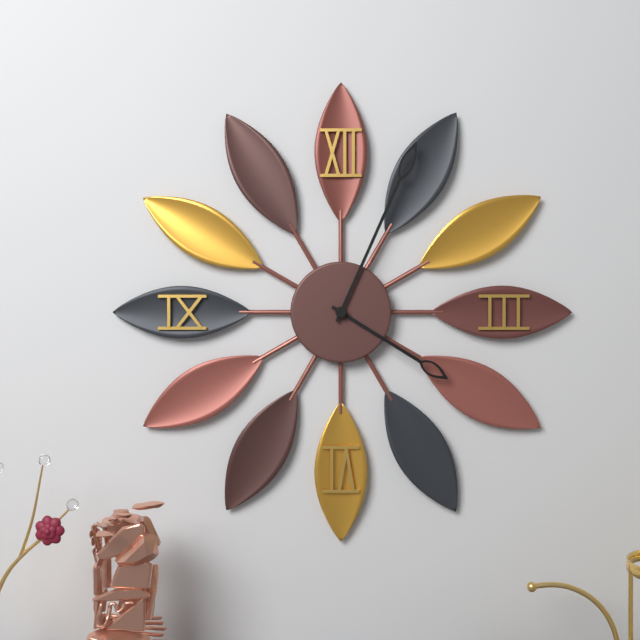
h=4 m=4
